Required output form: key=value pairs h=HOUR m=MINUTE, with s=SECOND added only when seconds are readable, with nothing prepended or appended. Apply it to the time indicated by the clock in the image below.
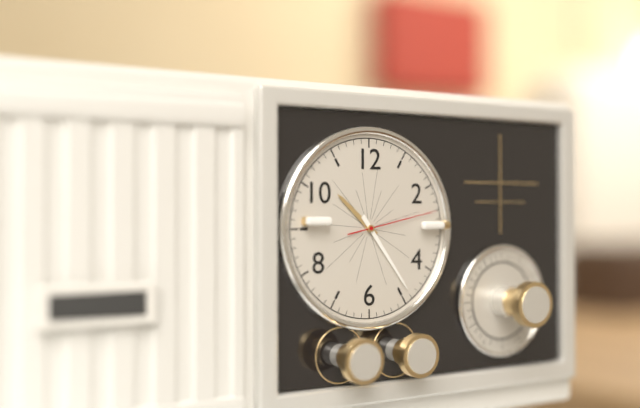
h=10 m=24 s=13
